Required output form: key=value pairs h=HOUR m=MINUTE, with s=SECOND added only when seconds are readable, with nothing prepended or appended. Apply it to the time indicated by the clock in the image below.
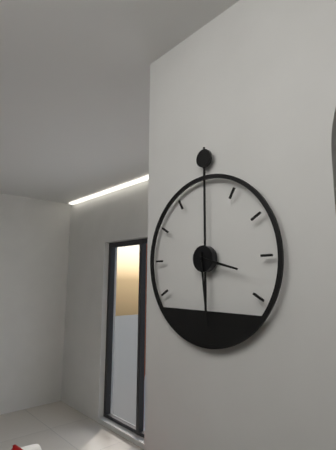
h=3 m=29
